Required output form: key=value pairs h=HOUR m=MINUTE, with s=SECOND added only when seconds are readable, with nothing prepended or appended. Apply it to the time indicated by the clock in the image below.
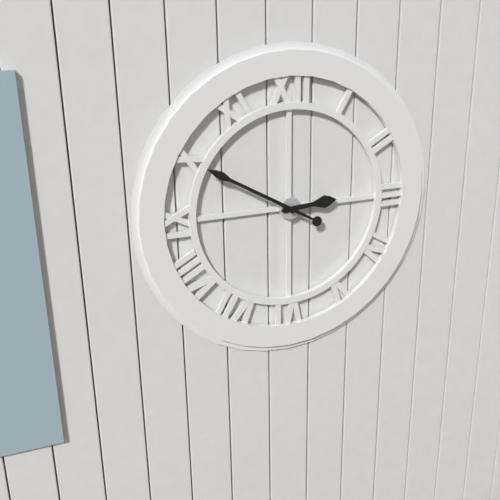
h=2 m=50
